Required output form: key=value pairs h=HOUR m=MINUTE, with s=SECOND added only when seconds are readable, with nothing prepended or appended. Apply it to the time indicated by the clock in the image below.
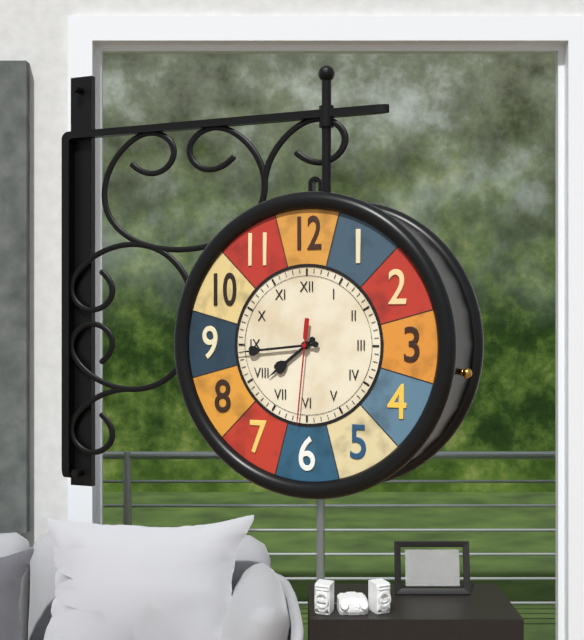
h=7 m=44 s=31
